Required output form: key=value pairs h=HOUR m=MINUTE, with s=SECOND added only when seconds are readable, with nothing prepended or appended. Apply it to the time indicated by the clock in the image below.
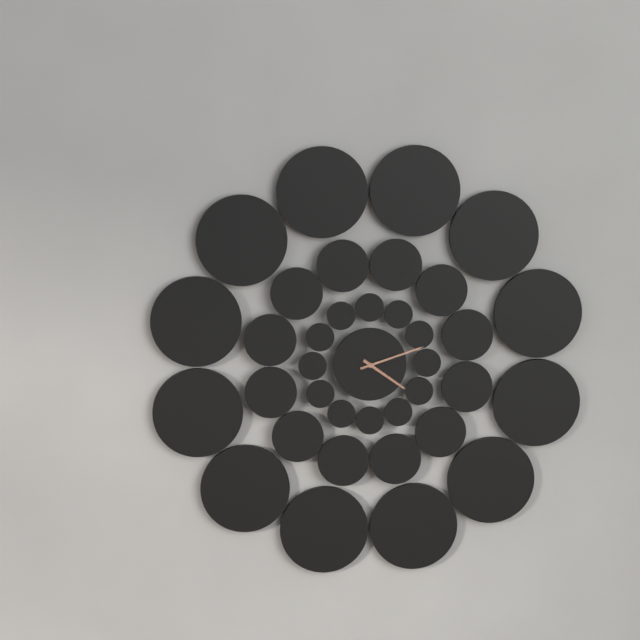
h=4 m=12
